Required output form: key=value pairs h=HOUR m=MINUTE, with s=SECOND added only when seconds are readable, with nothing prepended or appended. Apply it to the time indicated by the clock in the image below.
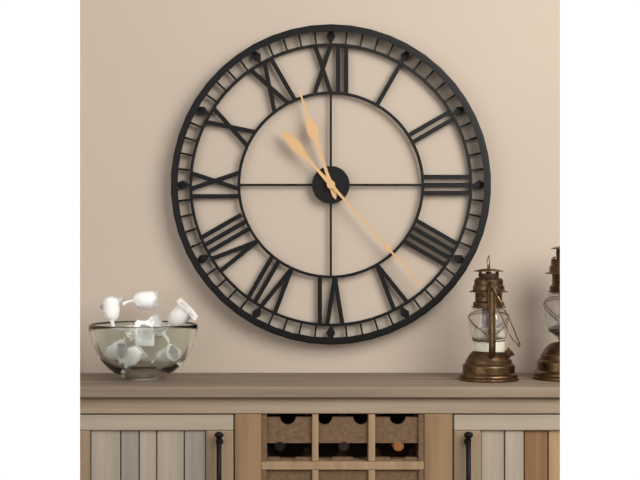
h=11 m=23
